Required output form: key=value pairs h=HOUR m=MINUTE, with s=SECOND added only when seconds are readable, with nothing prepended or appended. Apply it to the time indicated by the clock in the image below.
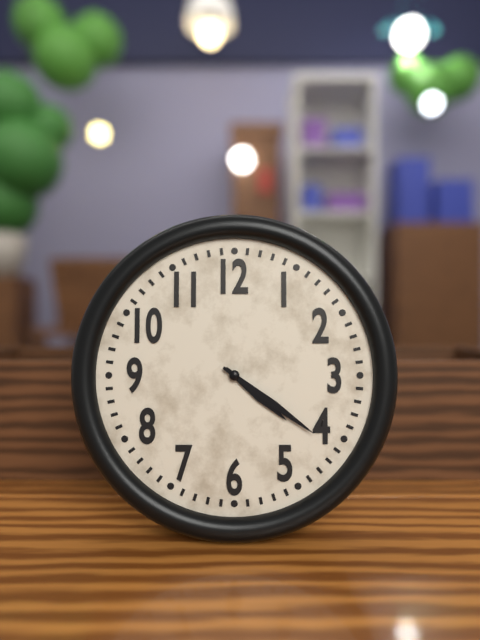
h=4 m=21
